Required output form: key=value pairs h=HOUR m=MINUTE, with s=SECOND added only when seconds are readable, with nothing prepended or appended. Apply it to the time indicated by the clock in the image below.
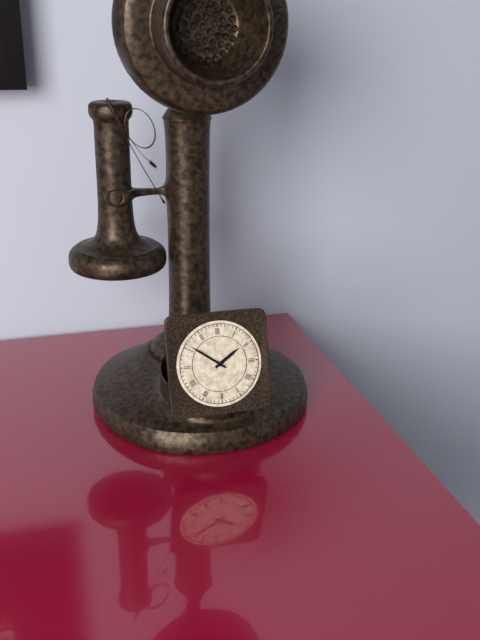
h=1 m=51
